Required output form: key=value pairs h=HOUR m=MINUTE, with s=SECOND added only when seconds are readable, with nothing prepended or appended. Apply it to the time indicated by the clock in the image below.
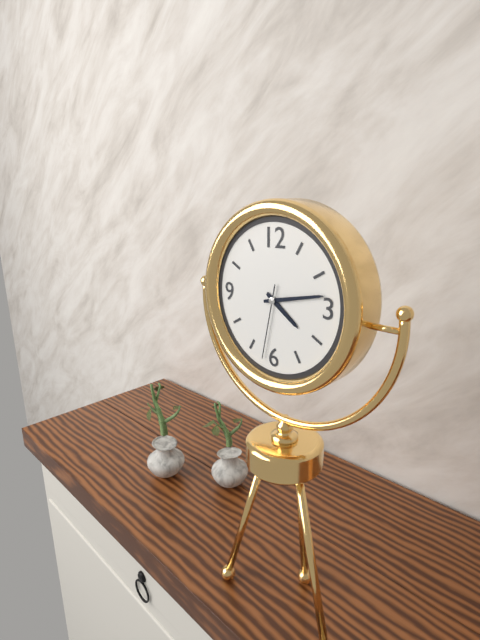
h=4 m=13 s=32
